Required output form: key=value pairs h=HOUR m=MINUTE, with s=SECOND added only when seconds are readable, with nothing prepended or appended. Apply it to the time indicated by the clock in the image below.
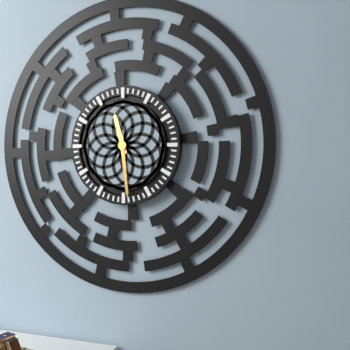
h=11 m=29
